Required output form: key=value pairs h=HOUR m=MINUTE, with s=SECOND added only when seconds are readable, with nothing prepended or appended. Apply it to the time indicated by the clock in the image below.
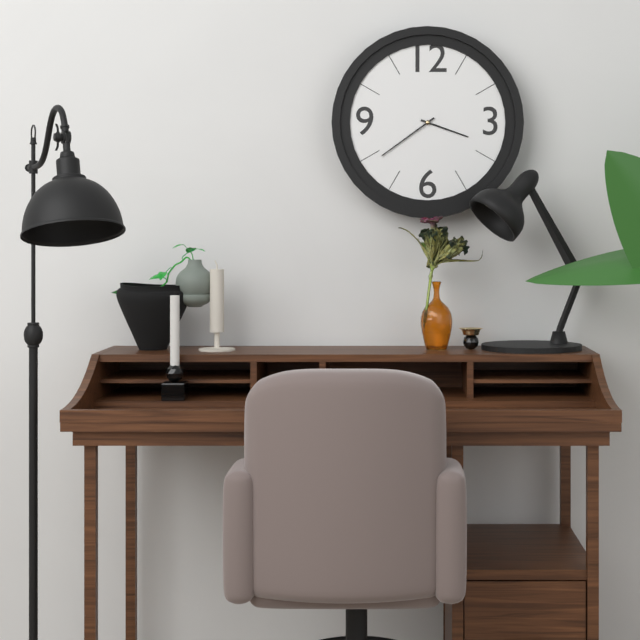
h=3 m=39
